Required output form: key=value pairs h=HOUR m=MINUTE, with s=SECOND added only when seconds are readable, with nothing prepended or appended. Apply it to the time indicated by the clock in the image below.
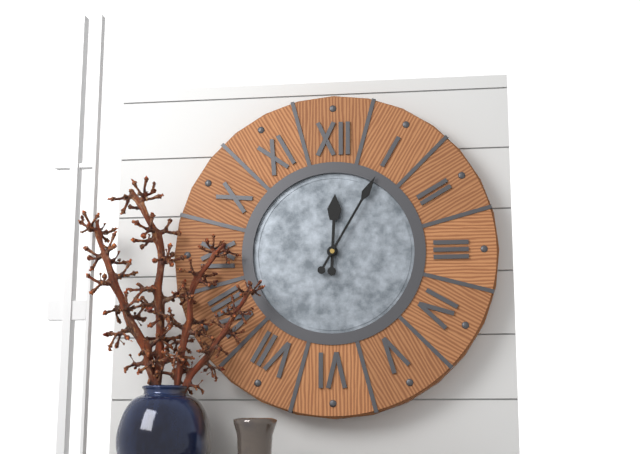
h=12 m=5
